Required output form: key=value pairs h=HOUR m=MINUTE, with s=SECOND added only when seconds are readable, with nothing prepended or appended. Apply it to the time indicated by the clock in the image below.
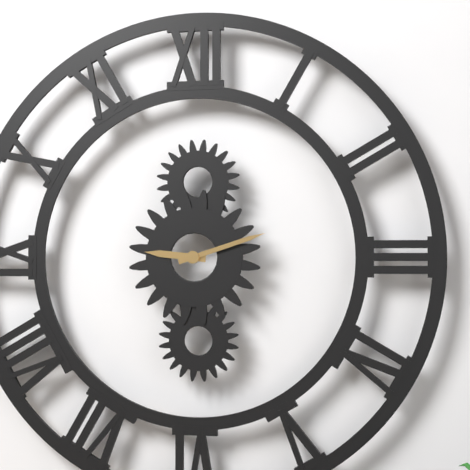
h=9 m=12
